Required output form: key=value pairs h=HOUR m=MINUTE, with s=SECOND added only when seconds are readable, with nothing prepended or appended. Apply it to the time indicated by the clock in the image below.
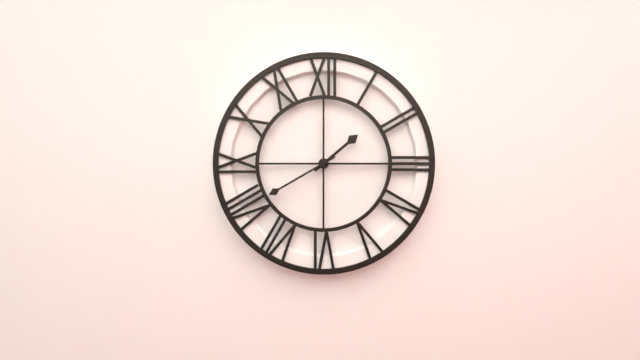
h=1 m=40
